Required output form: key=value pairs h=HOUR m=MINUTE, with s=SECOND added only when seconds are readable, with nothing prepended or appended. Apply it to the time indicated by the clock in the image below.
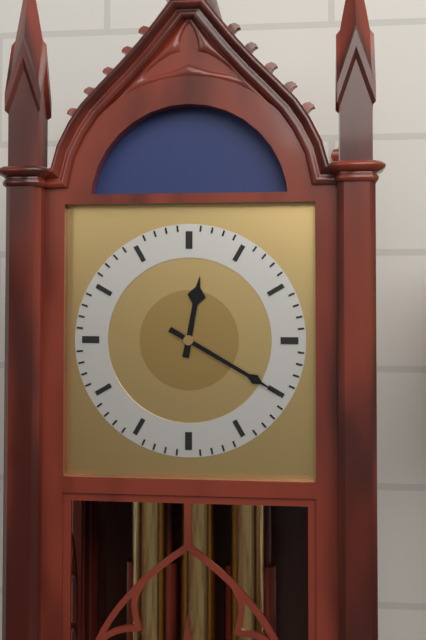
h=12 m=20
